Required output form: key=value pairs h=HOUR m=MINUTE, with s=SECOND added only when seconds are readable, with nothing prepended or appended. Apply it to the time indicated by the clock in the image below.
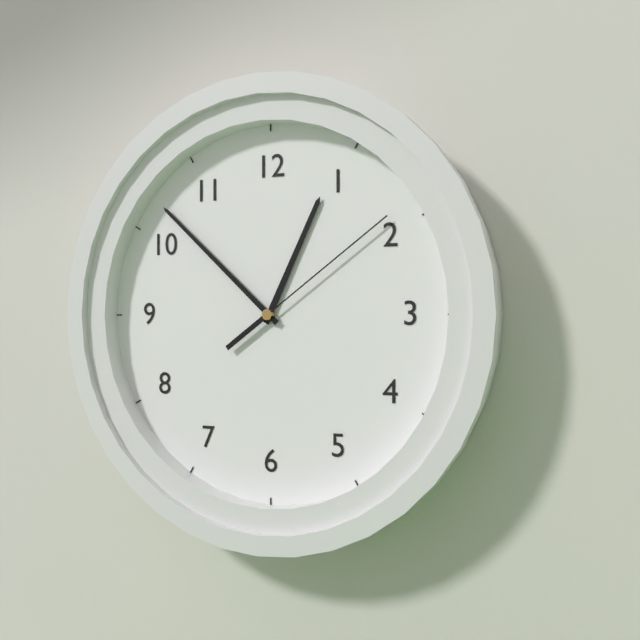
h=12 m=52 s=9
